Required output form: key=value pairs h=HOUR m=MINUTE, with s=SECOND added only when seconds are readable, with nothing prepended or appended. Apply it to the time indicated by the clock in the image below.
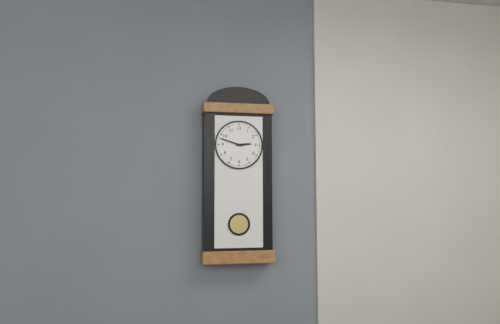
h=2 m=48
